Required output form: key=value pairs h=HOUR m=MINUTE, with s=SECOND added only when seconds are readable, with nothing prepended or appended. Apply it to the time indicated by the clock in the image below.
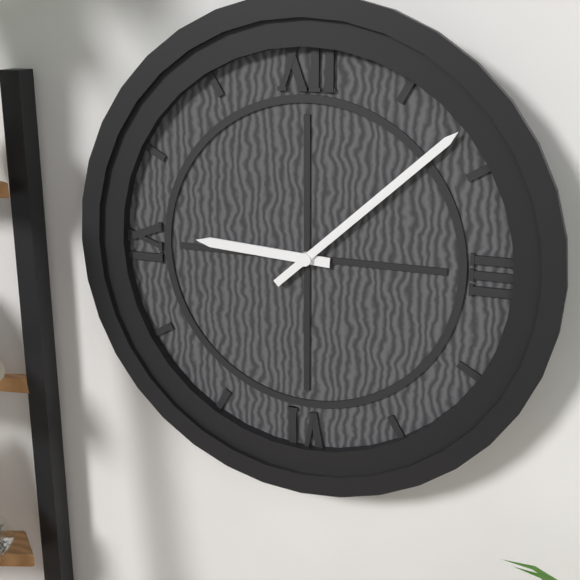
h=9 m=8
